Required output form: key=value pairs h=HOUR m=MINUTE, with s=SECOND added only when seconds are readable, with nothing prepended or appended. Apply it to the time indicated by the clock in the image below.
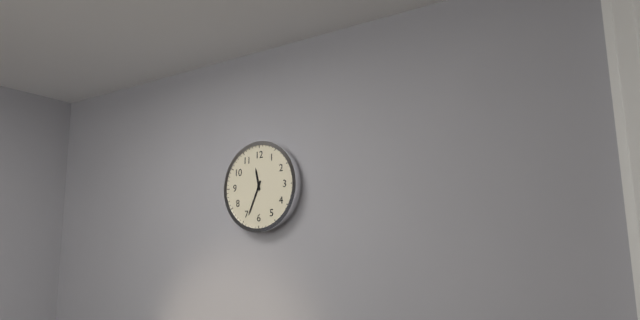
h=11 m=34
